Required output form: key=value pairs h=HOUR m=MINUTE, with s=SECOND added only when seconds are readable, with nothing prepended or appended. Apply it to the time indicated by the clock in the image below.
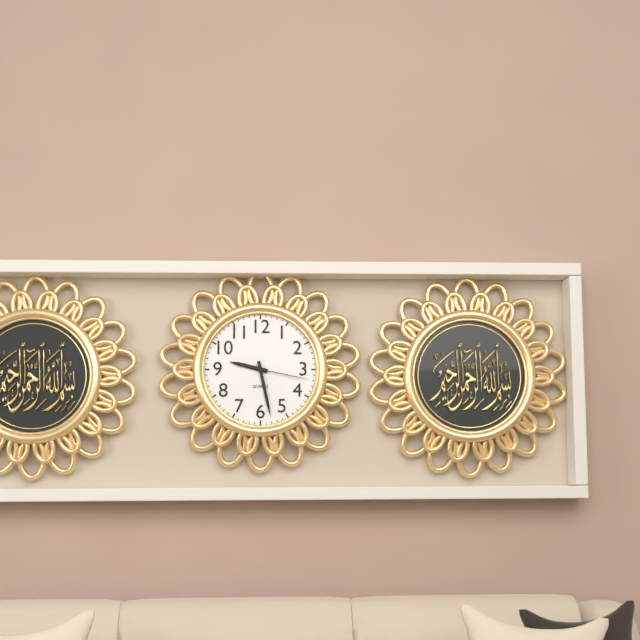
h=9 m=28 s=17
